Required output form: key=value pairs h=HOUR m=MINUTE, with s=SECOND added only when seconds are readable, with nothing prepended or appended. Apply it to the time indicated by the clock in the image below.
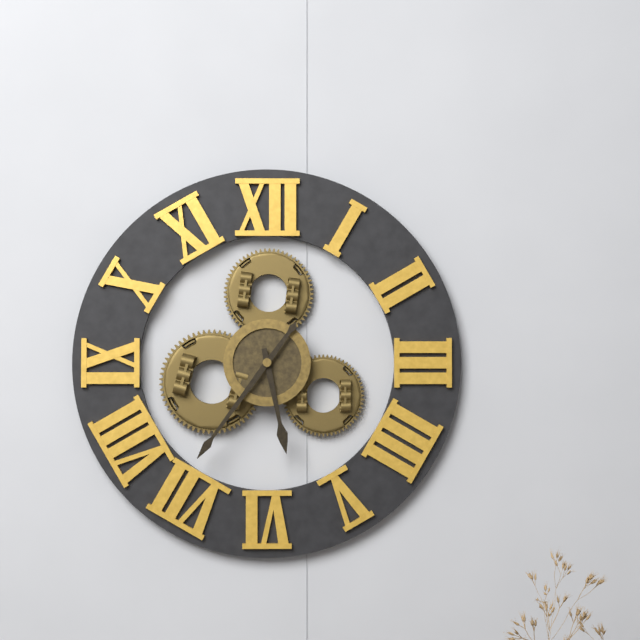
h=5 m=36
